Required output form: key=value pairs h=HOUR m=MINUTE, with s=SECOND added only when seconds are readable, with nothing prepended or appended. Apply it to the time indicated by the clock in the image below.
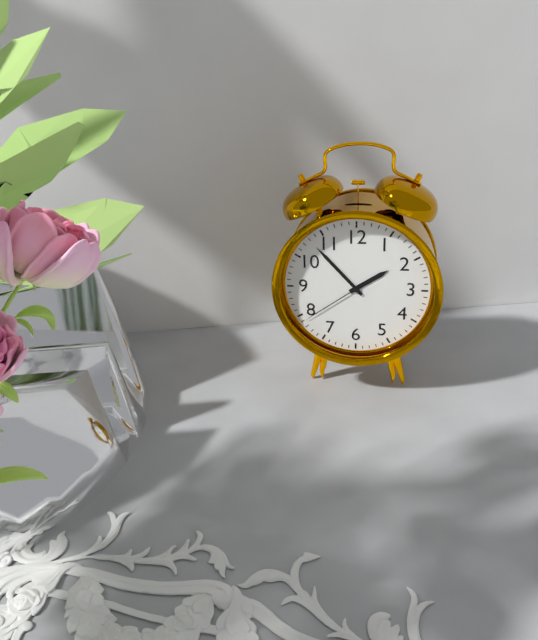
h=1 m=53 s=39
